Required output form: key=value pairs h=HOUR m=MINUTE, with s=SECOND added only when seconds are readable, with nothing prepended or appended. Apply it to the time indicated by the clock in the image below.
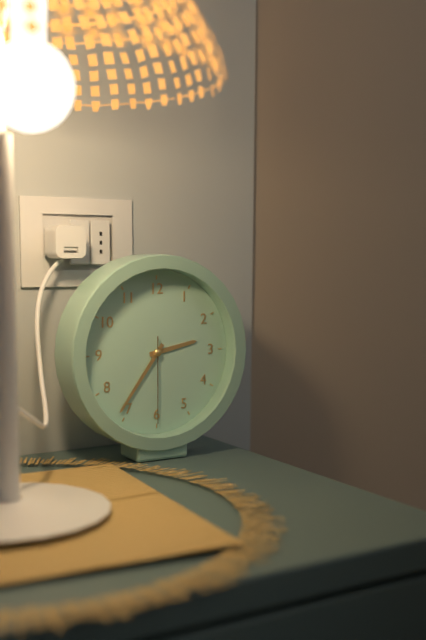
h=2 m=36 s=30
